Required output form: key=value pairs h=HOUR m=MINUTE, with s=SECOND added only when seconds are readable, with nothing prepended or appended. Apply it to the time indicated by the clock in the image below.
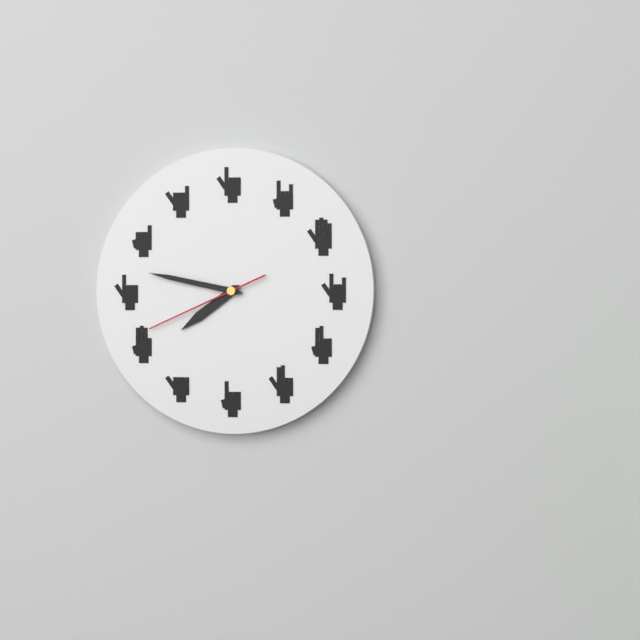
h=7 m=47 s=41
